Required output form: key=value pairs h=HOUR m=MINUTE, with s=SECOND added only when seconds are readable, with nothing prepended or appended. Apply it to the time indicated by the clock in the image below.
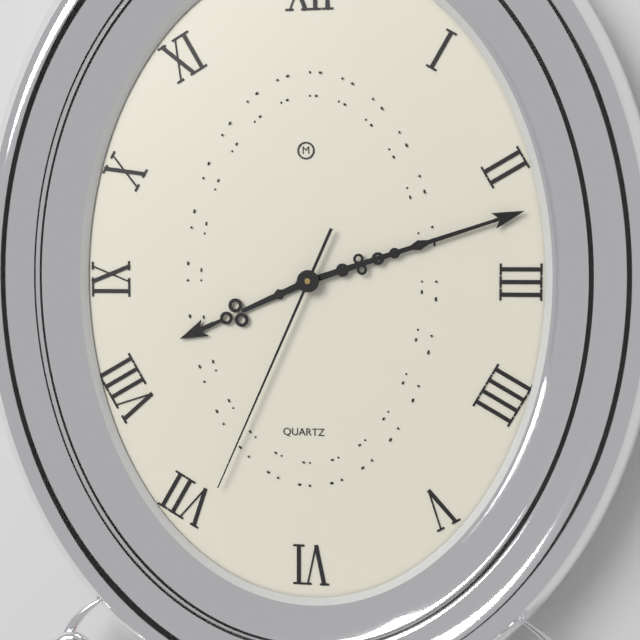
h=8 m=12 s=34
